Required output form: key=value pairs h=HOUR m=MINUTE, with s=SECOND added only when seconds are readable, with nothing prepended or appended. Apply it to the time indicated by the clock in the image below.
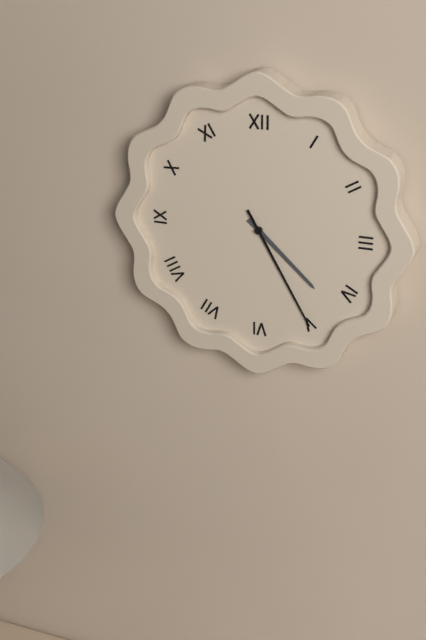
h=4 m=25
